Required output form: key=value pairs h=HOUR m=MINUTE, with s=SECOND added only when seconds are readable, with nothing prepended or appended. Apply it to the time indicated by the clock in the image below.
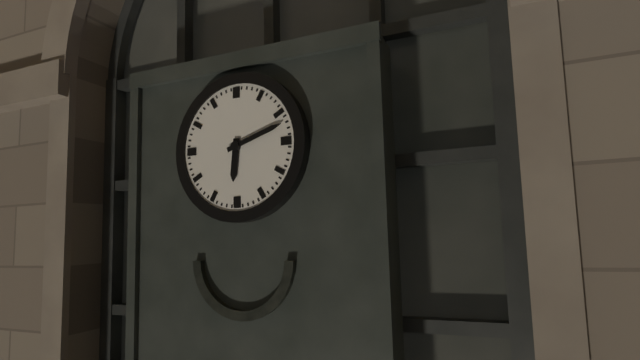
h=6 m=12
